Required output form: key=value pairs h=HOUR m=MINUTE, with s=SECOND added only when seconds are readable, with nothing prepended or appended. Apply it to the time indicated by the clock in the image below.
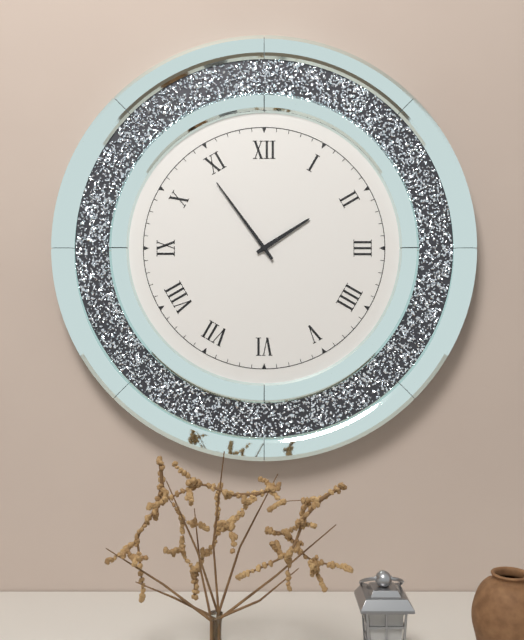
h=1 m=54
